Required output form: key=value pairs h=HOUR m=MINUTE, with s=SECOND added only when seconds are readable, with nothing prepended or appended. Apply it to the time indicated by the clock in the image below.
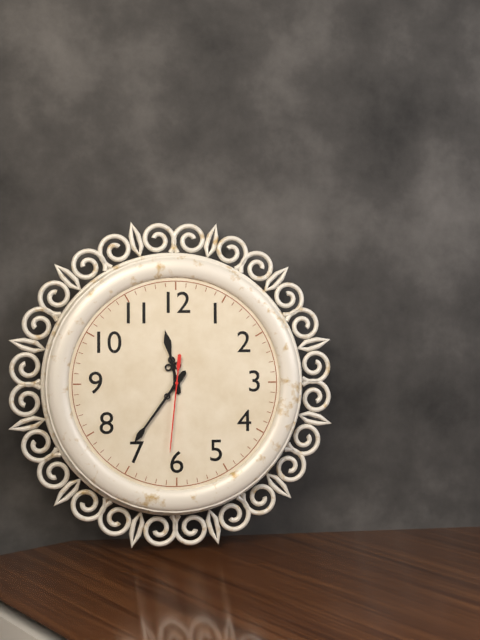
h=11 m=36 s=31
